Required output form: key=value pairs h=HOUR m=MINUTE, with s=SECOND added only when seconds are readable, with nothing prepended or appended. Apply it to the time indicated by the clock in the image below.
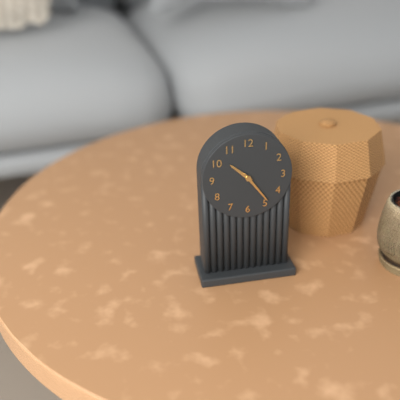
h=10 m=24
